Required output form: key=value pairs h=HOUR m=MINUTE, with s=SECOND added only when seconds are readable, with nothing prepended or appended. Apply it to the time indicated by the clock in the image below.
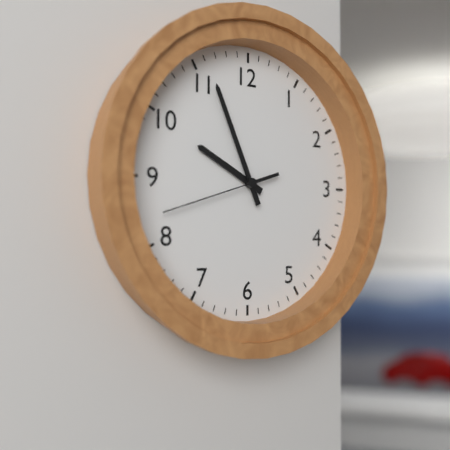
h=9 m=56 s=42
